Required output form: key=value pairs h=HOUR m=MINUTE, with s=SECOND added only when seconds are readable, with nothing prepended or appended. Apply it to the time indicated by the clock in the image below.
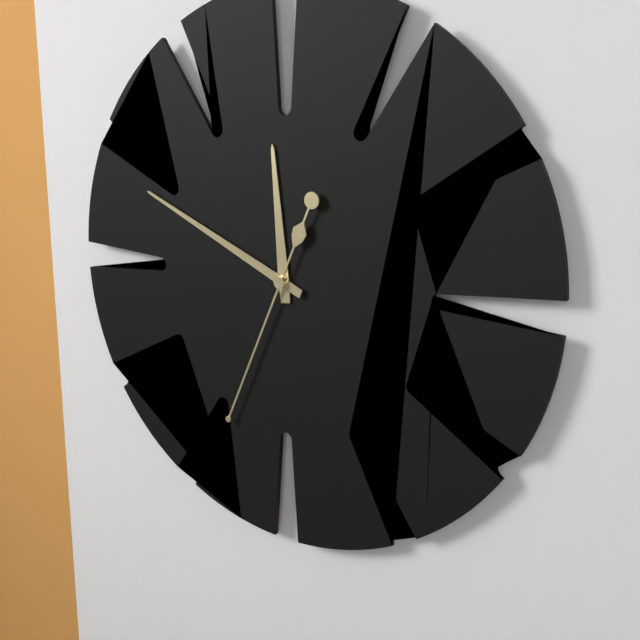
h=11 m=49 s=34
